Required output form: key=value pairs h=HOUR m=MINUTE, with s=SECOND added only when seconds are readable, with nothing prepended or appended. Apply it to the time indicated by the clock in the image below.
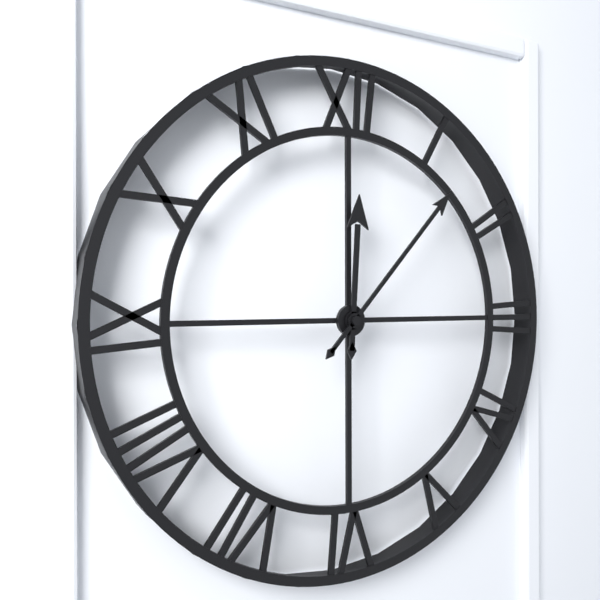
h=12 m=7
